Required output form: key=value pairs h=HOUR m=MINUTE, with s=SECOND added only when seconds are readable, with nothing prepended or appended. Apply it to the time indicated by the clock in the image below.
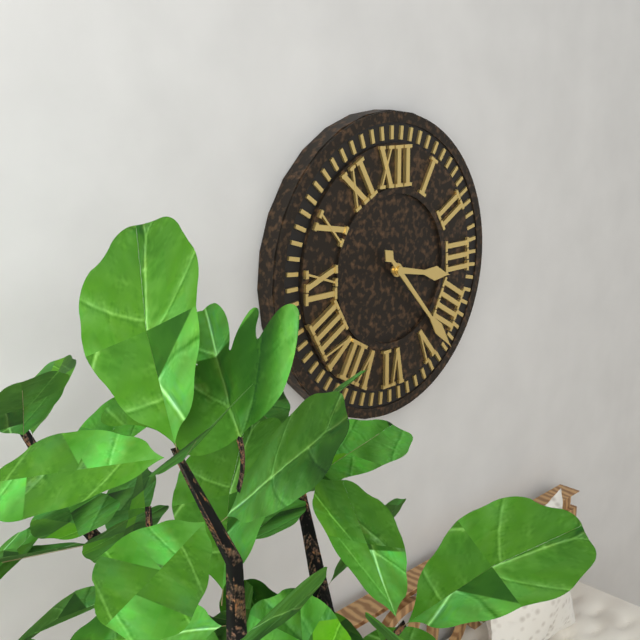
h=3 m=23
